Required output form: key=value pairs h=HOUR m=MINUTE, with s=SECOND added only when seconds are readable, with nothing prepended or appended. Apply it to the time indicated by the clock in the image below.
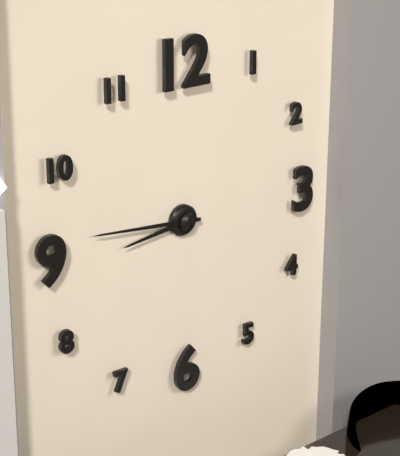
h=8 m=46
